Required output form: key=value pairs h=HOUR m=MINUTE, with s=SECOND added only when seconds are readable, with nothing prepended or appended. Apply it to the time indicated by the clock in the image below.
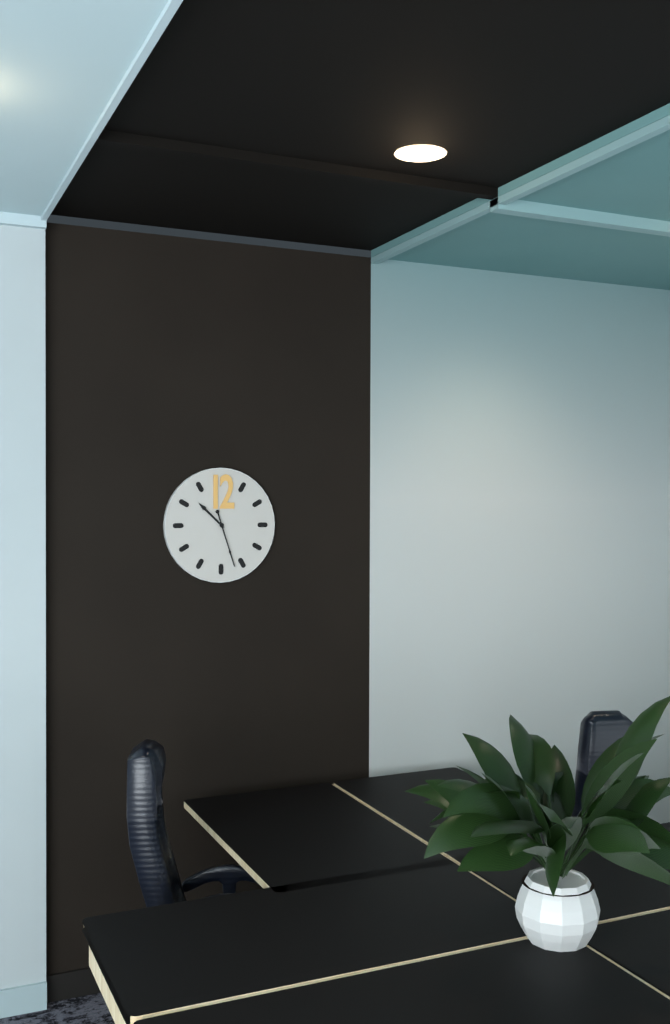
h=10 m=27
